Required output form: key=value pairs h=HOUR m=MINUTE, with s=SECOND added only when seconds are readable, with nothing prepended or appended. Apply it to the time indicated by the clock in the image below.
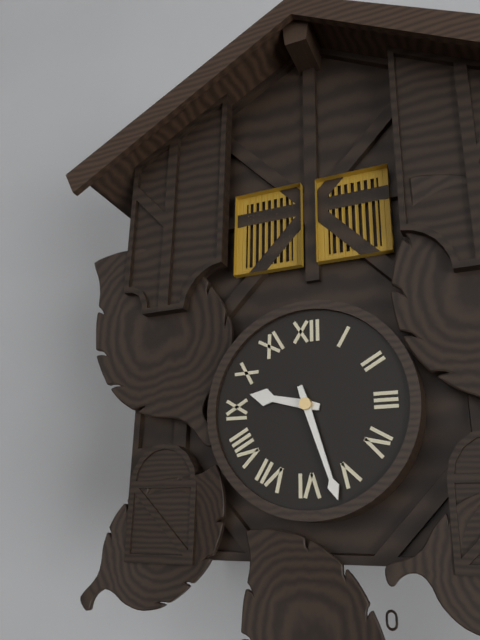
h=9 m=27
